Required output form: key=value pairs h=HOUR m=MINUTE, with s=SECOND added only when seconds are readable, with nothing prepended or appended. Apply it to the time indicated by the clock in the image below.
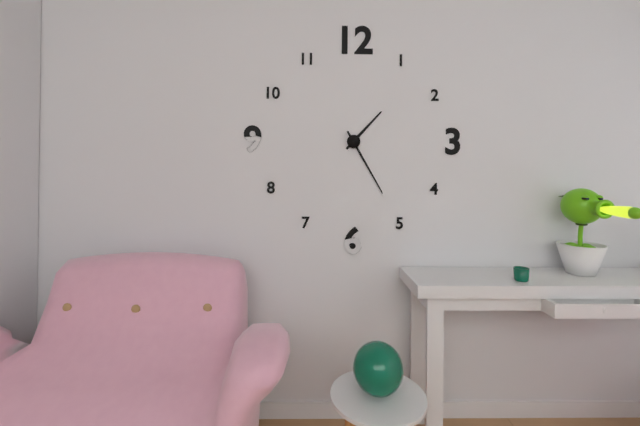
h=1 m=25
